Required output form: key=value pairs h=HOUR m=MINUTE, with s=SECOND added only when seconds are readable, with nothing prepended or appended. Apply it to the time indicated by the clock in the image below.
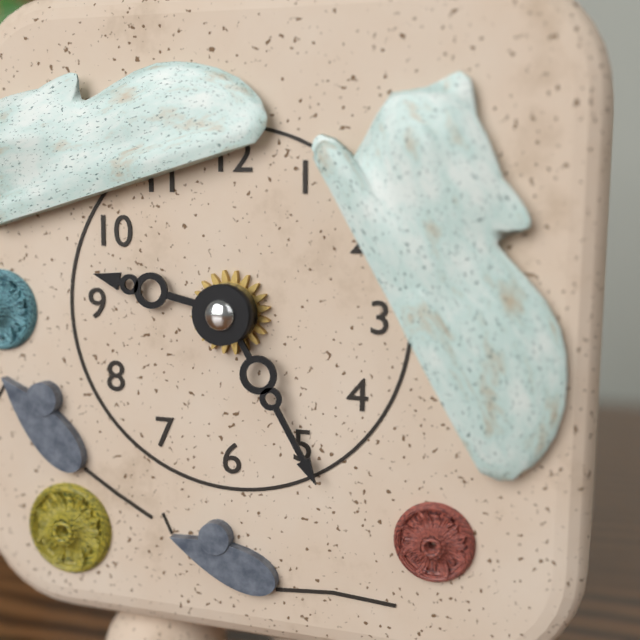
h=9 m=25
